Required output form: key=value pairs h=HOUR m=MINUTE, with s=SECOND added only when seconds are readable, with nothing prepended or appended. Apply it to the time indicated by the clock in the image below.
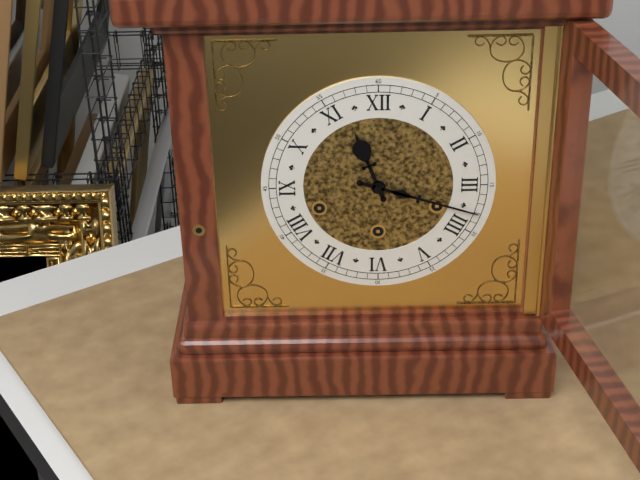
h=11 m=18
